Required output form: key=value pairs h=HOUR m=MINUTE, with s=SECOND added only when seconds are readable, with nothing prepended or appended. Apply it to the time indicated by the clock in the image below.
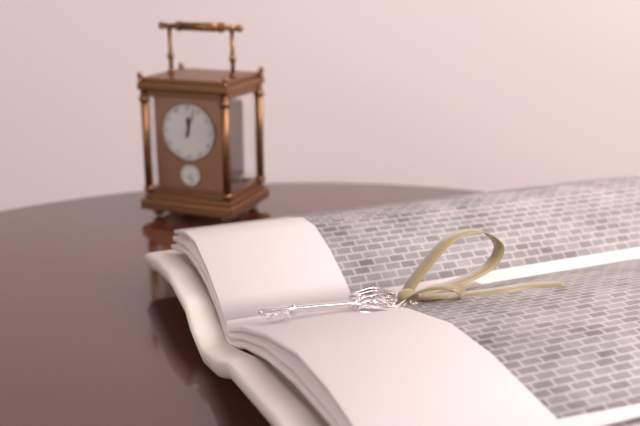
h=12 m=3
